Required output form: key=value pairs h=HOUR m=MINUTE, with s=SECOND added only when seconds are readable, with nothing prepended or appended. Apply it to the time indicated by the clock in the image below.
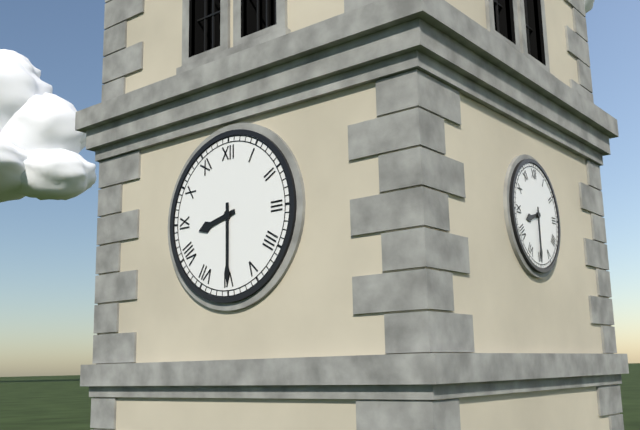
h=8 m=30
